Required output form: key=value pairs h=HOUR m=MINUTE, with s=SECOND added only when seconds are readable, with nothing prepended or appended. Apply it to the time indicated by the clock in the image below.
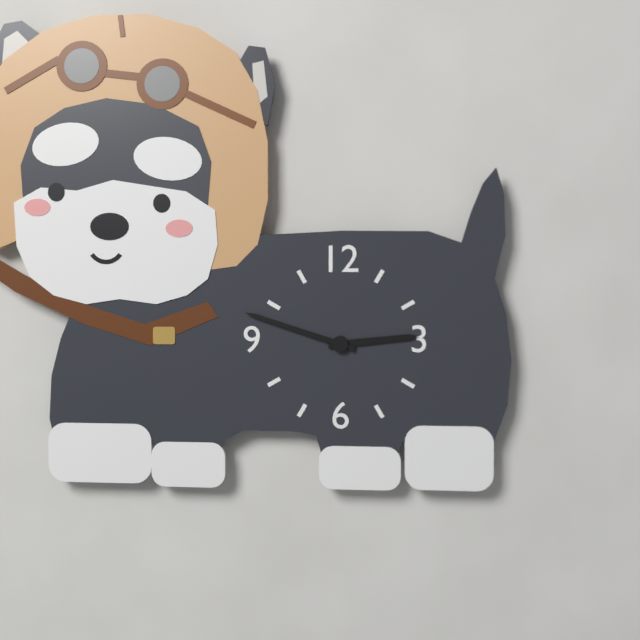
h=2 m=48
